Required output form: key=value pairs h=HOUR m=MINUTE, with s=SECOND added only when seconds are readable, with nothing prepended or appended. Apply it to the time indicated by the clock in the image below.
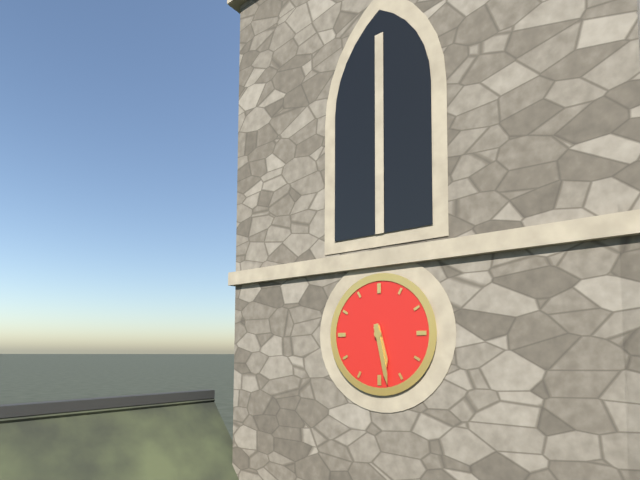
h=5 m=28
